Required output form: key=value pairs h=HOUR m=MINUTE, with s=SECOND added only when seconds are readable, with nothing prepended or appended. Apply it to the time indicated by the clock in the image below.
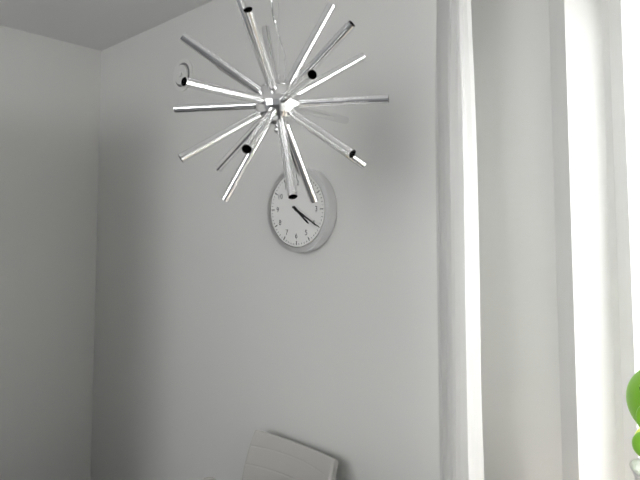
h=4 m=20
